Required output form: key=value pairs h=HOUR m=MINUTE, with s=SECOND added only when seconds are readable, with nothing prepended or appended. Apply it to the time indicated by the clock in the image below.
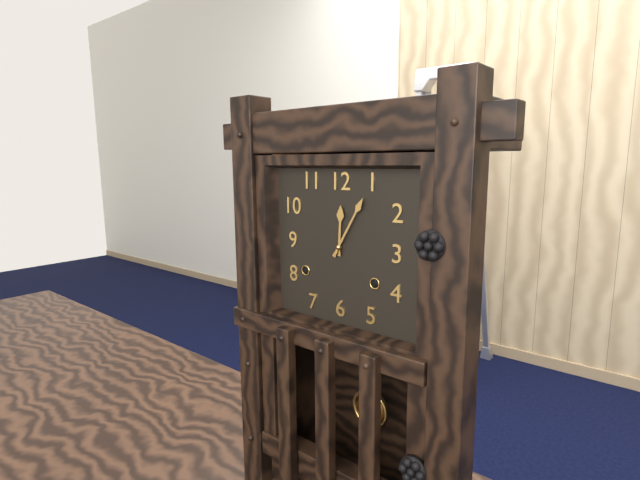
h=12 m=5
